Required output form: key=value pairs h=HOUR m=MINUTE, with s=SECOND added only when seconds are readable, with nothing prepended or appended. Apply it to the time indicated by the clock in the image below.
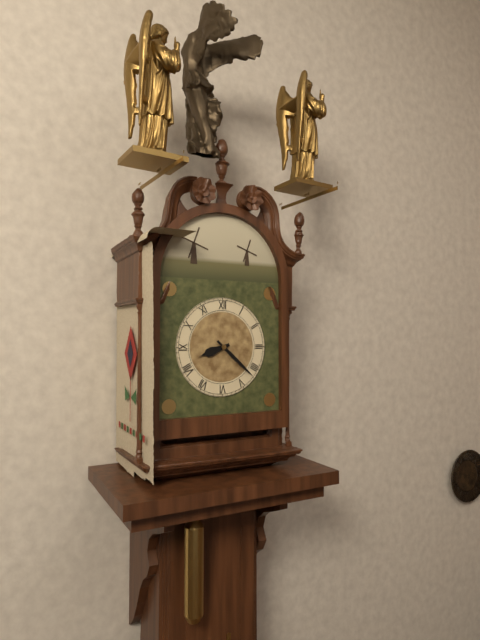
h=8 m=22
